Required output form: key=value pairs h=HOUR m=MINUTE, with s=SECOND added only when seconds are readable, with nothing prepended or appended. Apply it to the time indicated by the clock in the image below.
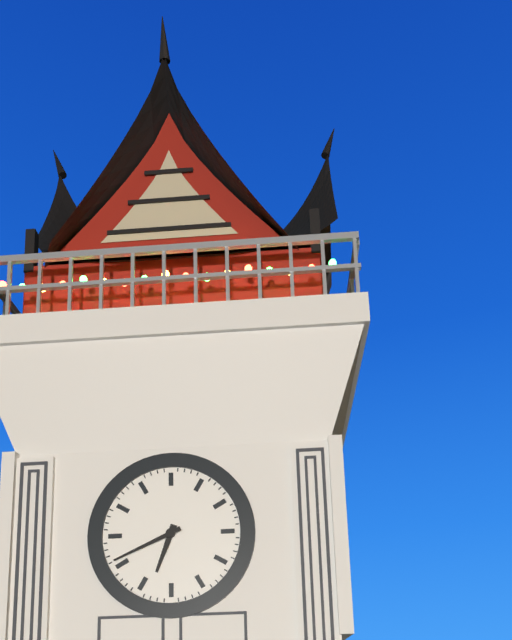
h=6 m=41
